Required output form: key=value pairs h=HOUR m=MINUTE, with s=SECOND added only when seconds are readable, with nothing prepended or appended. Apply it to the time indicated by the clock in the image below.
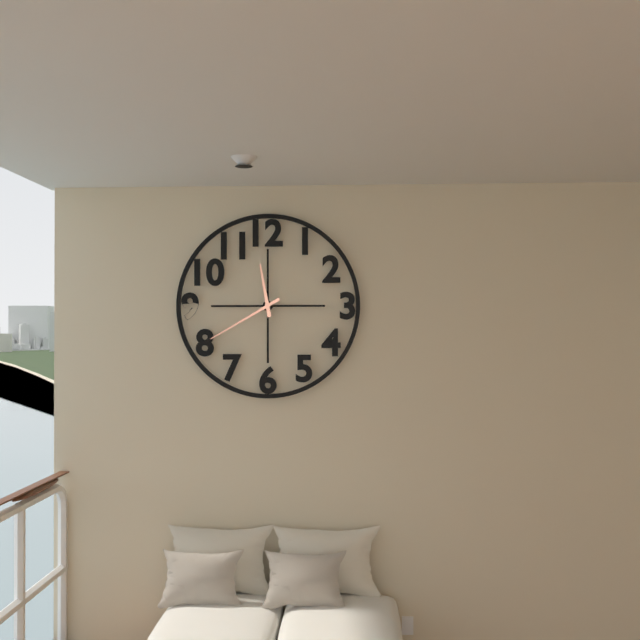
h=11 m=40
